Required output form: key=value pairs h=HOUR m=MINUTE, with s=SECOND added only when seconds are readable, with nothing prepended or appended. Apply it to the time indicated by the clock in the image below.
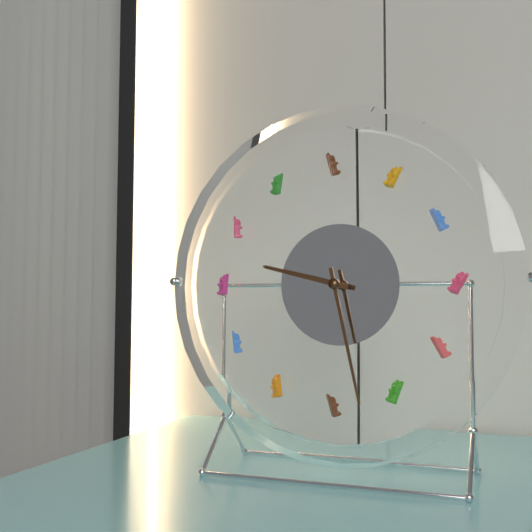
h=9 m=28
